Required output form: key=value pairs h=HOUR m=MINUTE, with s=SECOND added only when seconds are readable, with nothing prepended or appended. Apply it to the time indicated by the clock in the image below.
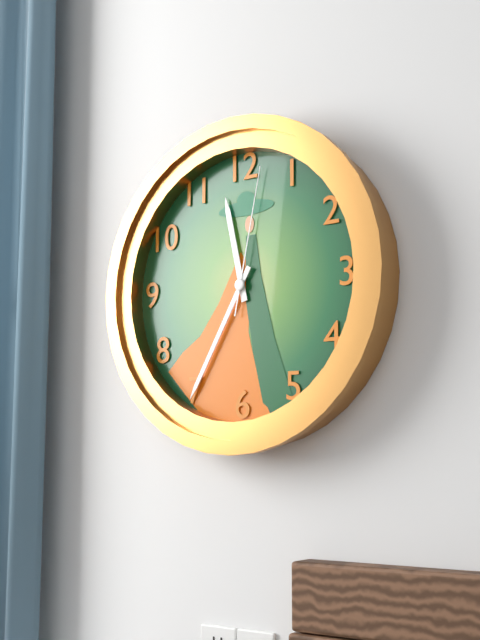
h=11 m=35 s=2
